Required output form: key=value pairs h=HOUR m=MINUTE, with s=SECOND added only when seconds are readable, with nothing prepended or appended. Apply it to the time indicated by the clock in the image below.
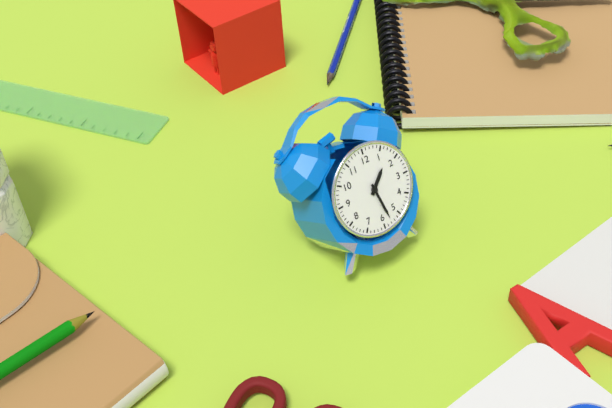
h=1 m=28
